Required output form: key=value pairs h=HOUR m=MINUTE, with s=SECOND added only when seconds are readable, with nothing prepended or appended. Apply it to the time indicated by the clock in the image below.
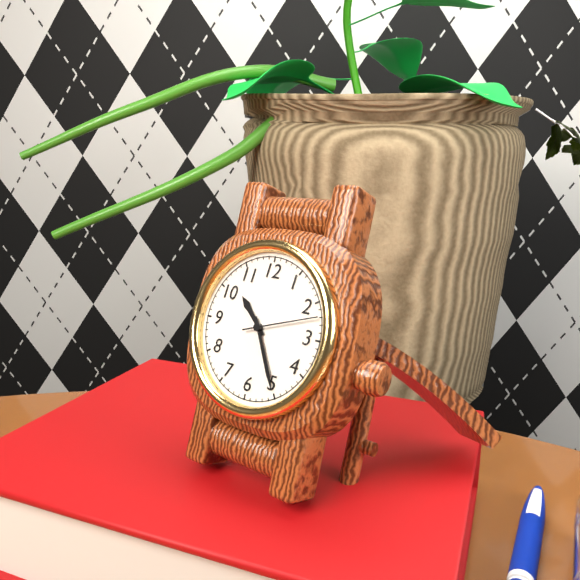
h=10 m=25 s=12
